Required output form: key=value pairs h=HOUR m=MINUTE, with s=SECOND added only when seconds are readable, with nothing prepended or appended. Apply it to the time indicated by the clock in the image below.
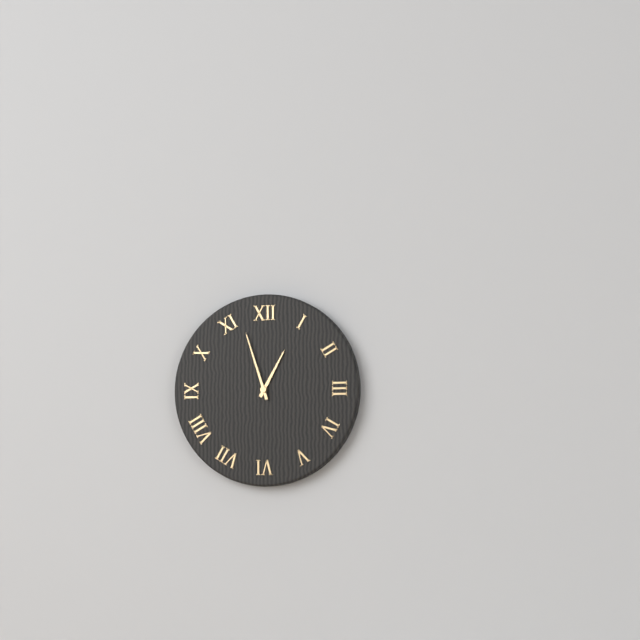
h=12 m=57
